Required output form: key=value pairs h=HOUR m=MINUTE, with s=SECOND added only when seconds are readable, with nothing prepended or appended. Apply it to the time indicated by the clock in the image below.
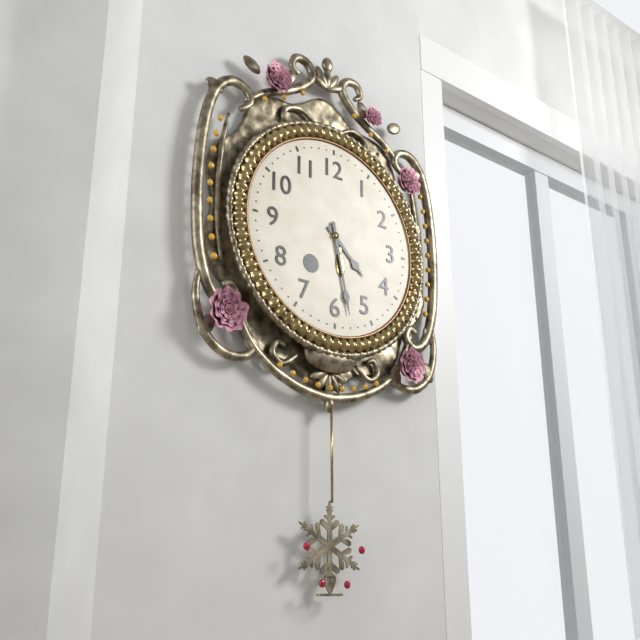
h=4 m=28
